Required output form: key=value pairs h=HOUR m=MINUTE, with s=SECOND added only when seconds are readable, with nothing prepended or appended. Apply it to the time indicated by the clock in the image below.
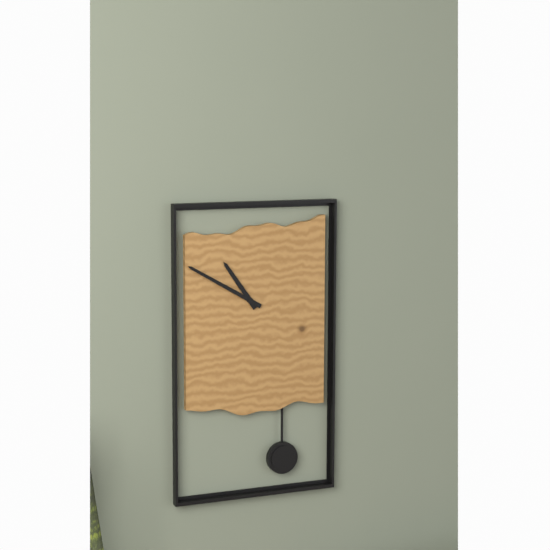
h=10 m=50
